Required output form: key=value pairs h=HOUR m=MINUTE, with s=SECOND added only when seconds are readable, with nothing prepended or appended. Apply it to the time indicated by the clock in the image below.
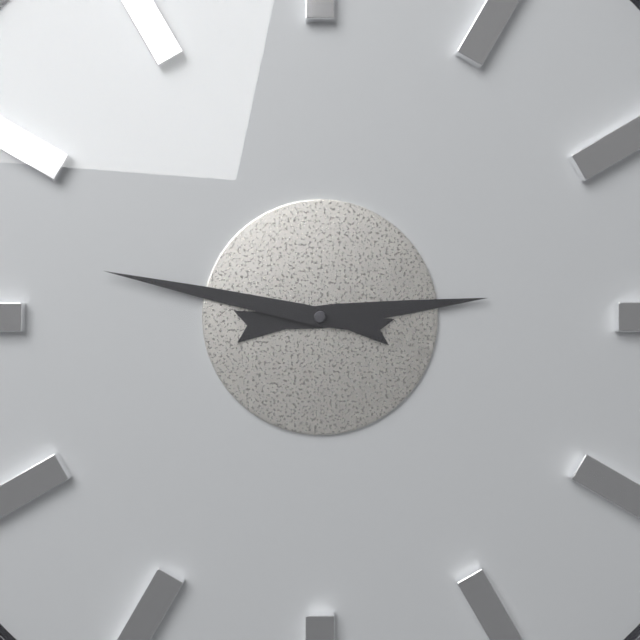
h=2 m=47
